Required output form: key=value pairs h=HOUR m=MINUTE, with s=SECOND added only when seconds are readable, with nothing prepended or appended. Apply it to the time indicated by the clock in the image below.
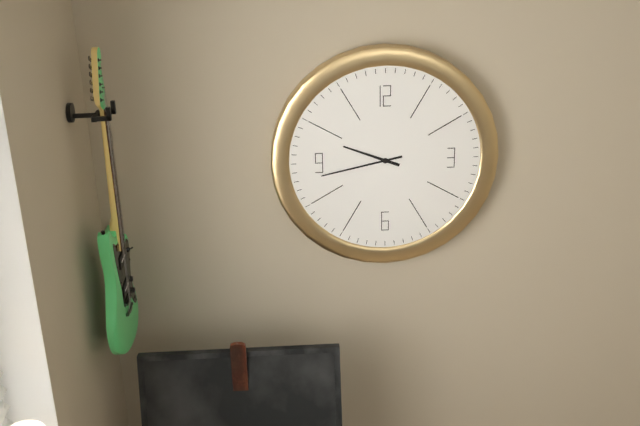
h=9 m=43
